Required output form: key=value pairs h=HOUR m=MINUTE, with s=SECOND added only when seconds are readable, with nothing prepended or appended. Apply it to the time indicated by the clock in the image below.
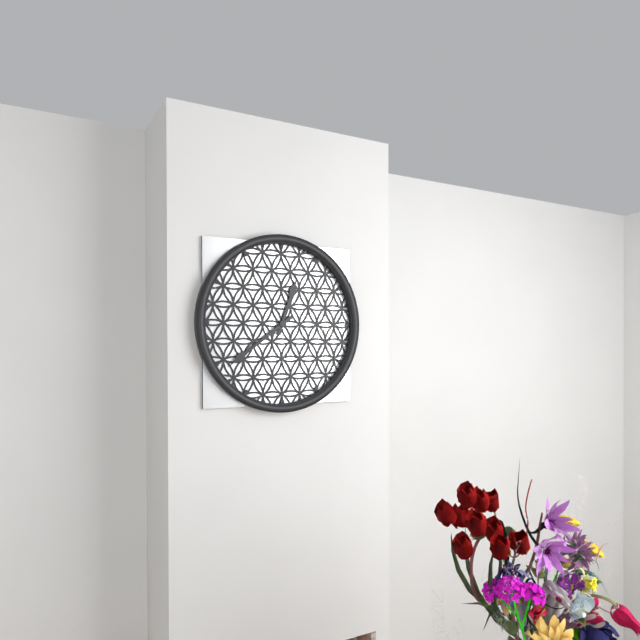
h=12 m=39
